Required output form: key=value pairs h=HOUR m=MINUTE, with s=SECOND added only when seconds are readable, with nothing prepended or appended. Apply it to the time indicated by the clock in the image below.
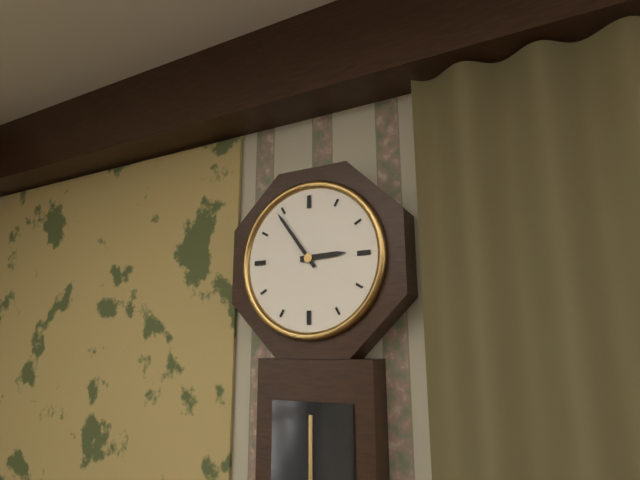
h=2 m=54
